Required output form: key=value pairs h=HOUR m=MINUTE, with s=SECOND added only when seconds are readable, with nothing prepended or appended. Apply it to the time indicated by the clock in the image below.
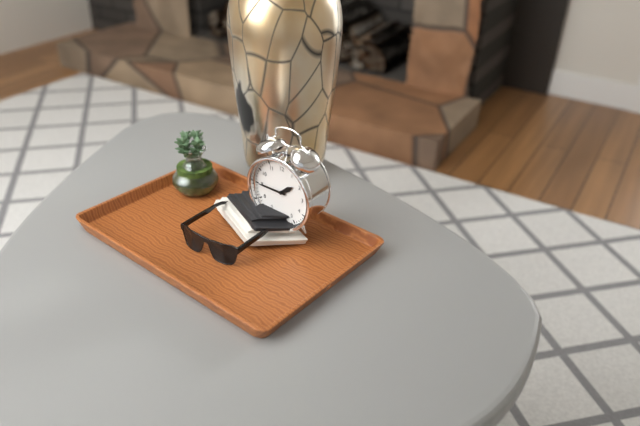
h=1 m=45
